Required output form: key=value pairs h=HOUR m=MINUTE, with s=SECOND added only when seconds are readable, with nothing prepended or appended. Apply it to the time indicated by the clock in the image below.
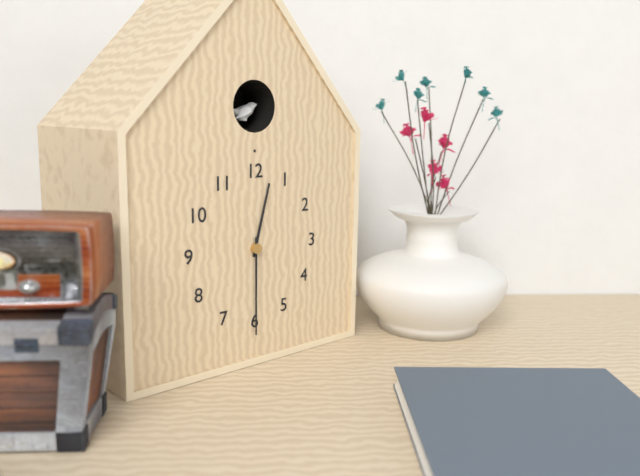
h=12 m=30
